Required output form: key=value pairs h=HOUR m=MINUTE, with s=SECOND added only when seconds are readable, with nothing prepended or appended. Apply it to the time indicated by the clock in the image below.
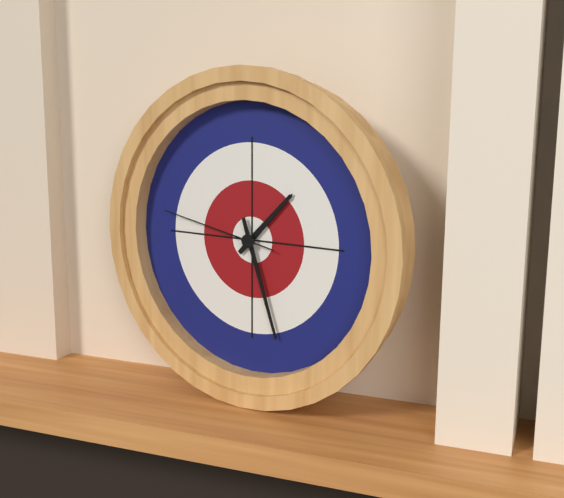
h=1 m=27 s=47
